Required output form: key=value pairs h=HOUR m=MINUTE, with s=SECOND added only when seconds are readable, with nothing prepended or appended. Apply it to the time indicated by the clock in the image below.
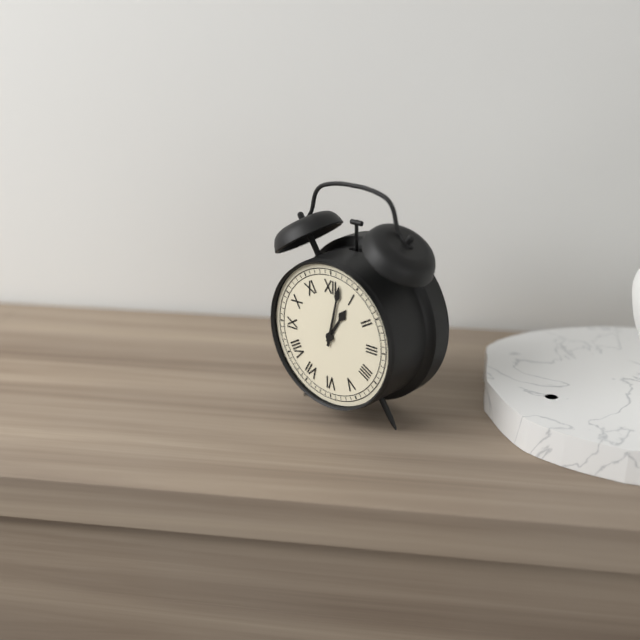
h=1 m=2
